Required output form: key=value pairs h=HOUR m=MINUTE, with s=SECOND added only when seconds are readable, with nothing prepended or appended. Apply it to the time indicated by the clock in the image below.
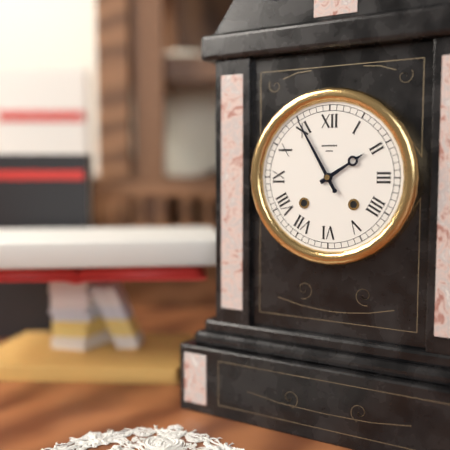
h=1 m=55
